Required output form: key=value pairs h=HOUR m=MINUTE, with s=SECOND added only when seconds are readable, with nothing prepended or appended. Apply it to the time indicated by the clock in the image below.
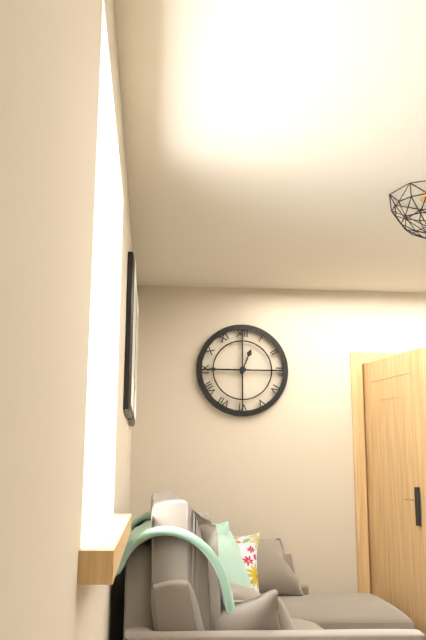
h=12 m=45
